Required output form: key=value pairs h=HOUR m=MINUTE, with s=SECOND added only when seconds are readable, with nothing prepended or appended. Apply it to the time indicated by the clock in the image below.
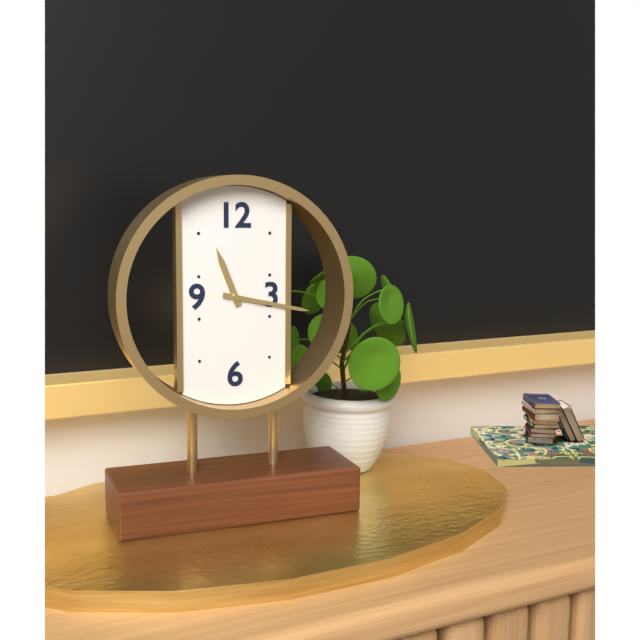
h=11 m=17
